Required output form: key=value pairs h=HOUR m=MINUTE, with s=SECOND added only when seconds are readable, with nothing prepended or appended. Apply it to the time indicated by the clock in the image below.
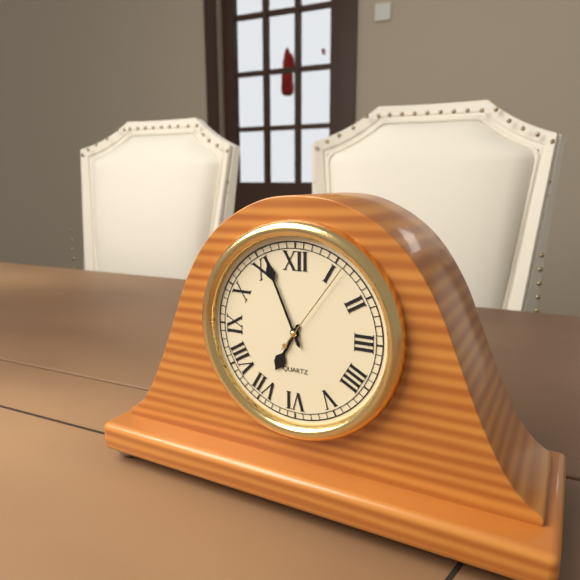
h=6 m=56 s=6
